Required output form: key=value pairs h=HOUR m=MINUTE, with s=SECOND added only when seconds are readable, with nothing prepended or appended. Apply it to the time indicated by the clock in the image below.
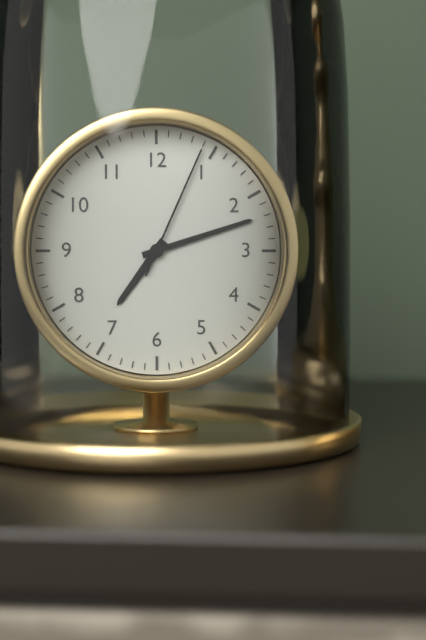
h=7 m=12 s=4
